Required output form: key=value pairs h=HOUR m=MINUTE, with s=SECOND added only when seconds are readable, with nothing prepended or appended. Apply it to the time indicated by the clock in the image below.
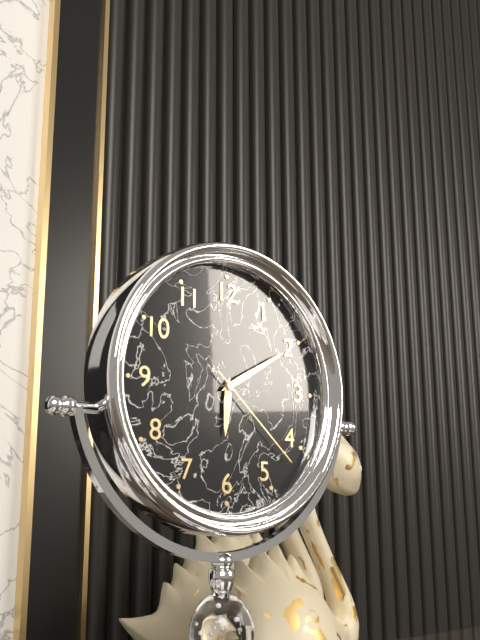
h=6 m=10 s=22
